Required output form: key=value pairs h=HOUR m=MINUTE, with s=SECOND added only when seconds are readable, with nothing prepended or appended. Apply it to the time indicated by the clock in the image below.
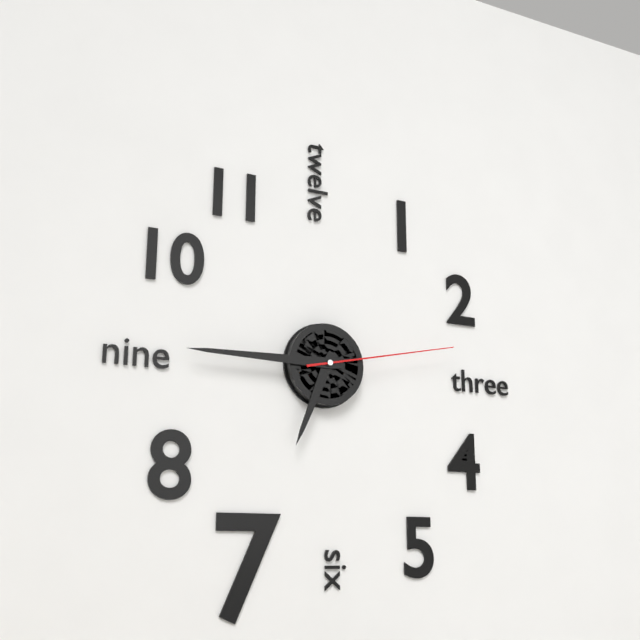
h=6 m=45 s=13
